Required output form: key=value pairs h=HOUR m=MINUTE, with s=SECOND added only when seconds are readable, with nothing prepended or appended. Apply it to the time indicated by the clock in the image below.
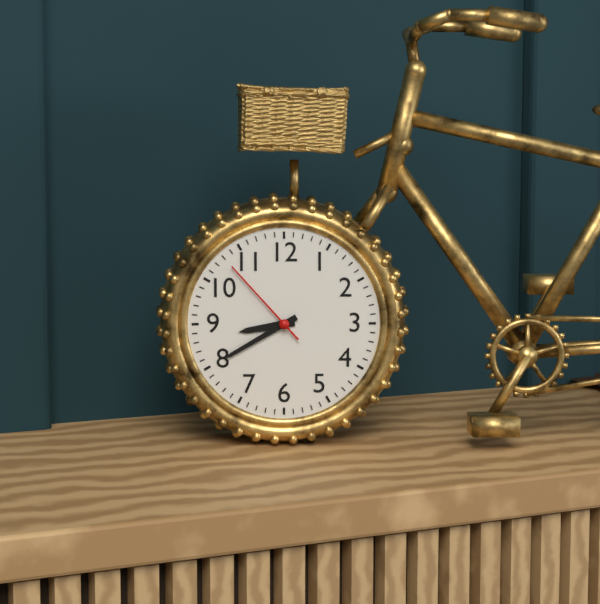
h=8 m=40 s=53
